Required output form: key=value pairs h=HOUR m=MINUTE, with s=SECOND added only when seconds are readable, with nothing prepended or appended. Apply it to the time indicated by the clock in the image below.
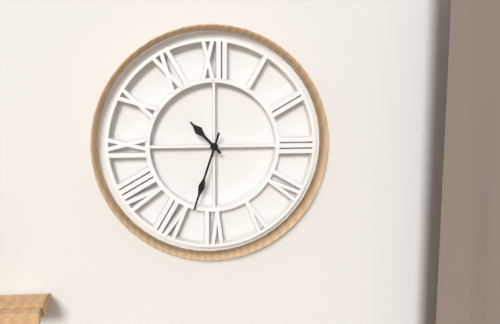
h=10 m=33
